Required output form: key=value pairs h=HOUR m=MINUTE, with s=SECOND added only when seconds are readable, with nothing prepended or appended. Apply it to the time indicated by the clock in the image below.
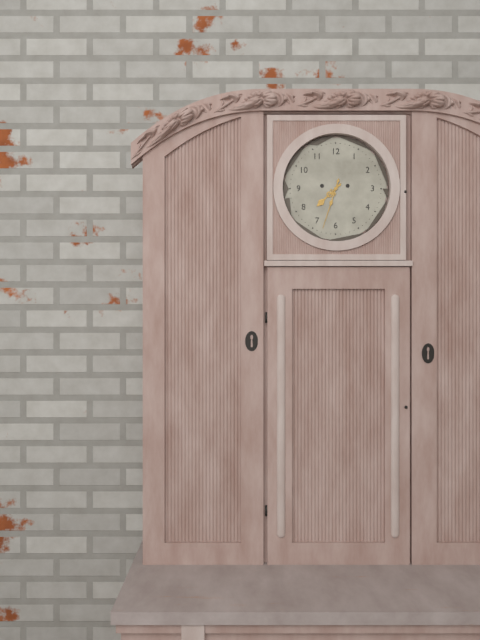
h=7 m=33
